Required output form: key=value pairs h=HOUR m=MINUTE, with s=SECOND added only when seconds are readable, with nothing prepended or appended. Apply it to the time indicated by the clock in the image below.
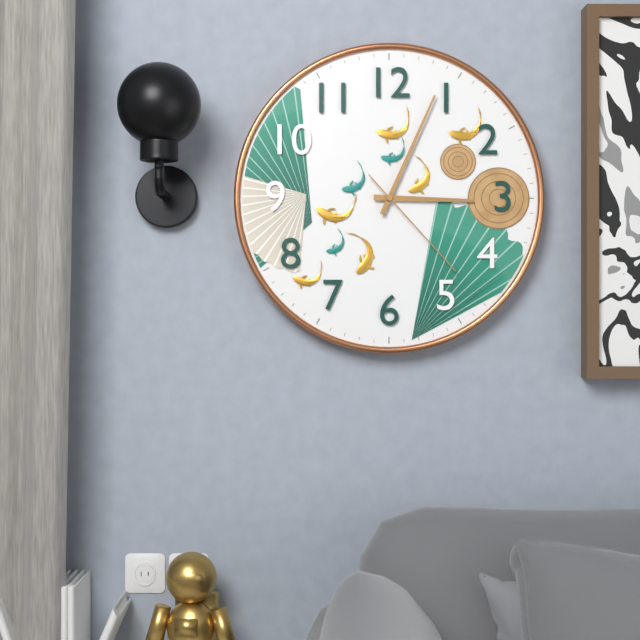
h=3 m=4 s=23
